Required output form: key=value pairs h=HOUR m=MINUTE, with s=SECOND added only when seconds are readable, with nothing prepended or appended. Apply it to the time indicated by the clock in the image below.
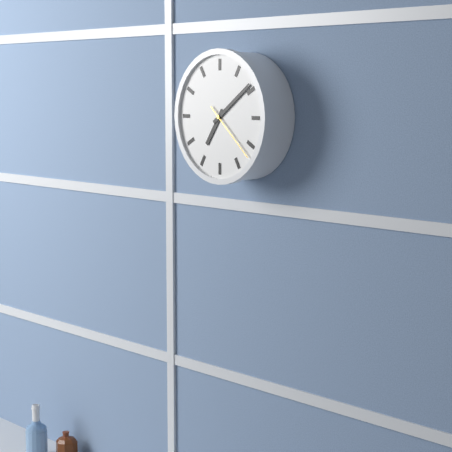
h=7 m=9 s=22
